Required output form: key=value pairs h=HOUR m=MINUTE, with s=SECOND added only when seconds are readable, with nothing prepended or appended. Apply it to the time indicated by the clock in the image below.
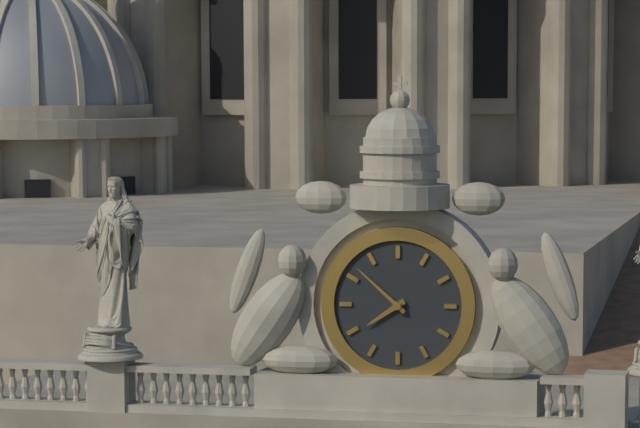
h=7 m=52
